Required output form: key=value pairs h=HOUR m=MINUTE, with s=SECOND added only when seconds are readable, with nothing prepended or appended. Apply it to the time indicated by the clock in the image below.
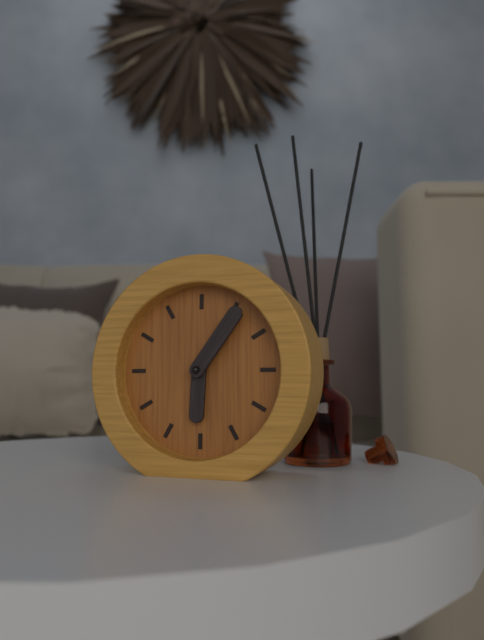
h=6 m=6
